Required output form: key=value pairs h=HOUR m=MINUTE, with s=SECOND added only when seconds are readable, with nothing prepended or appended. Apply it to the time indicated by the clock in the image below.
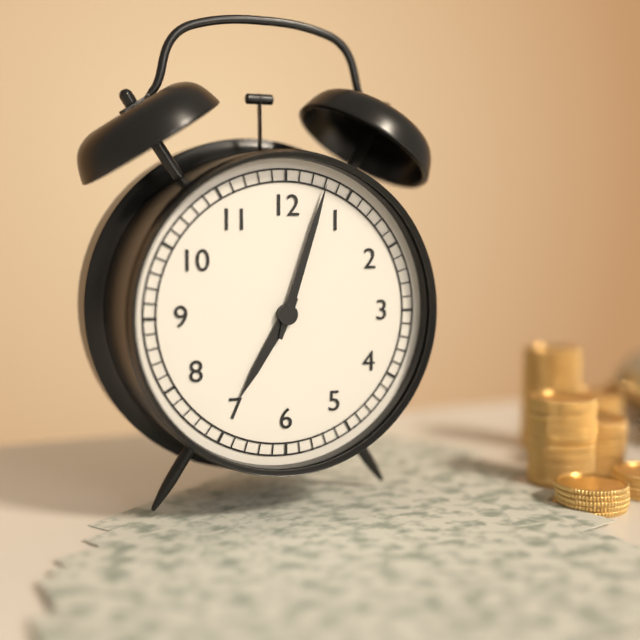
h=7 m=3
